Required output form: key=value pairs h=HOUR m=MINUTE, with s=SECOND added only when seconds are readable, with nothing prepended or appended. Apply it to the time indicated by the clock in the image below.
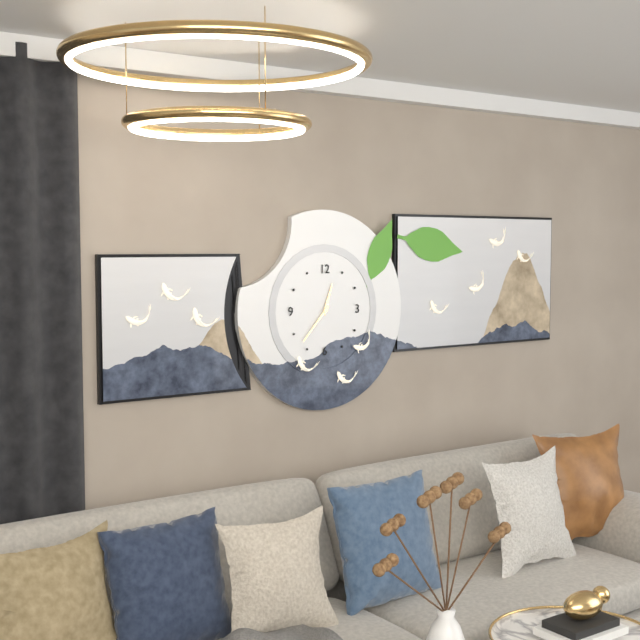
h=12 m=37
